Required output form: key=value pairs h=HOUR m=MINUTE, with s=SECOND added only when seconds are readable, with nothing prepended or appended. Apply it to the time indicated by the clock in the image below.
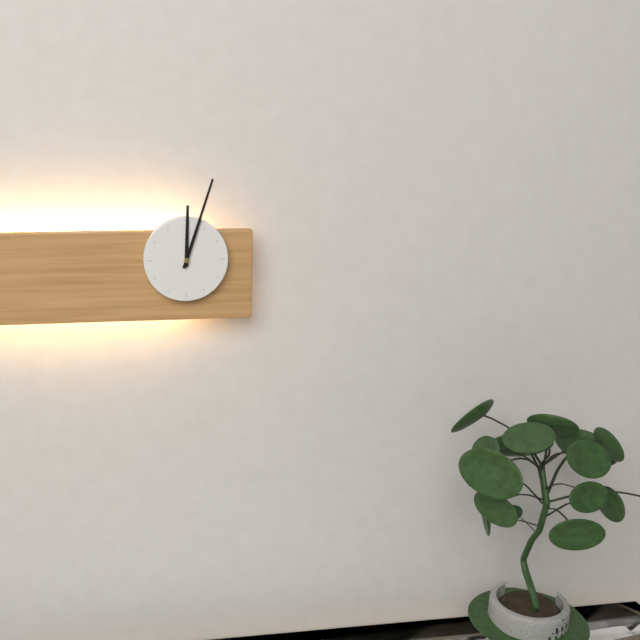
h=12 m=3
